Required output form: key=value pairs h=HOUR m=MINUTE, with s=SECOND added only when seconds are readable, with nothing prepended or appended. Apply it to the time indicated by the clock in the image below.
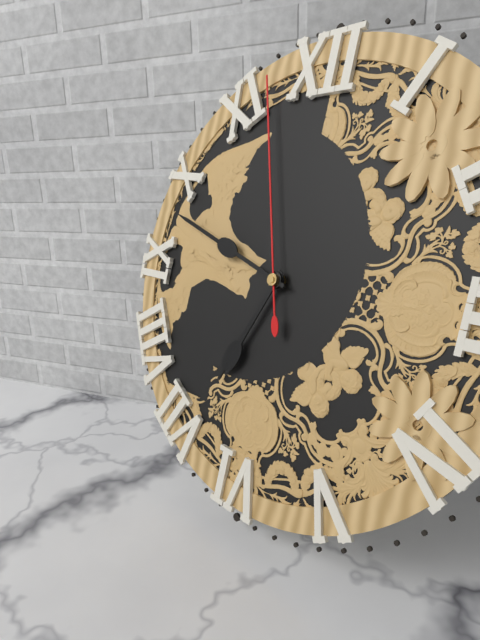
h=6 m=48 s=57
